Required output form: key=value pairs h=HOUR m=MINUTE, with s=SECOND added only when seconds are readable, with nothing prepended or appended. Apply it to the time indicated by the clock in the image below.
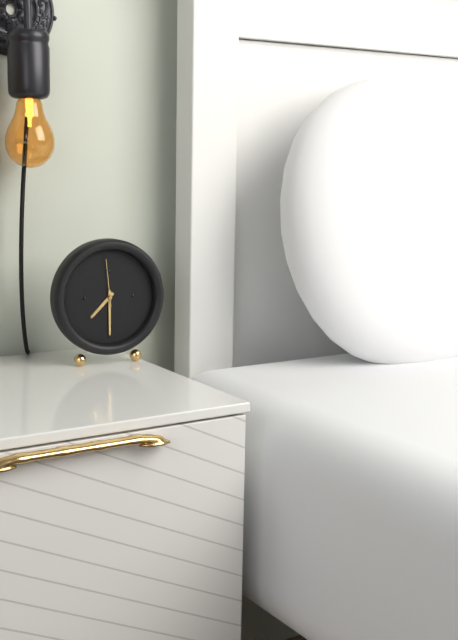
h=7 m=30
